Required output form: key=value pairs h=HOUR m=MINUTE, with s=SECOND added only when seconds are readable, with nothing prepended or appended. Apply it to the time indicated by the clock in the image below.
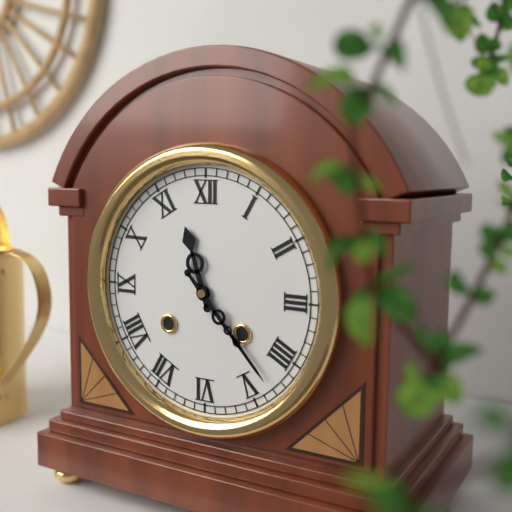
h=11 m=23
